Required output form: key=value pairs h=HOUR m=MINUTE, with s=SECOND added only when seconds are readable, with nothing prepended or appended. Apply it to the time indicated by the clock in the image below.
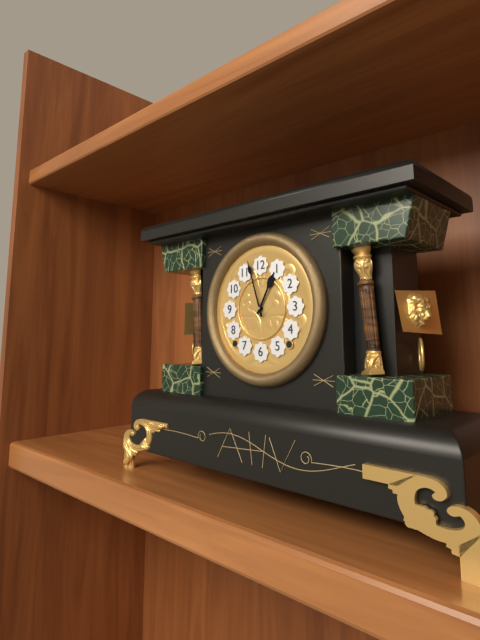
h=12 m=57
